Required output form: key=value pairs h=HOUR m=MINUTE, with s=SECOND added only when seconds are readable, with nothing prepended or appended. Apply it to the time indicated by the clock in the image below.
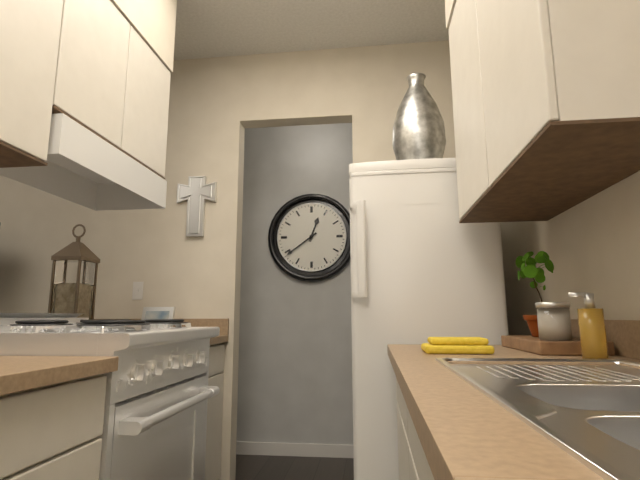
h=12 m=39
